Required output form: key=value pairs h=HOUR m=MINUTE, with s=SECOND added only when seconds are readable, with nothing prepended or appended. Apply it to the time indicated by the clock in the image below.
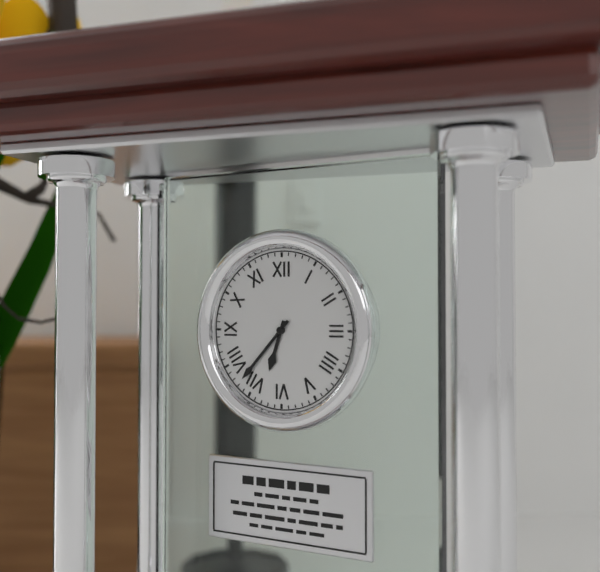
h=6 m=37
